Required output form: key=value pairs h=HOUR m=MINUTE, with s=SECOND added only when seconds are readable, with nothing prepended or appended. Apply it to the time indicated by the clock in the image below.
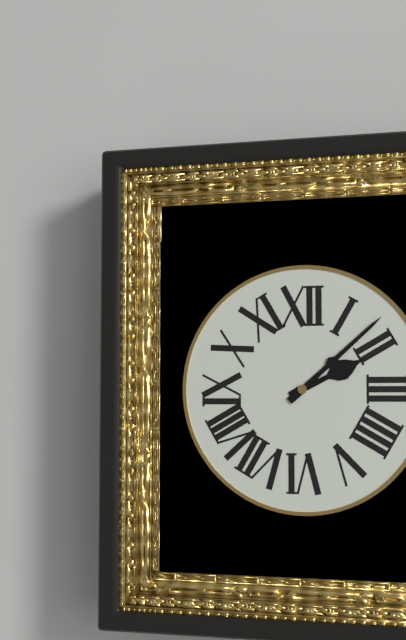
h=2 m=8
